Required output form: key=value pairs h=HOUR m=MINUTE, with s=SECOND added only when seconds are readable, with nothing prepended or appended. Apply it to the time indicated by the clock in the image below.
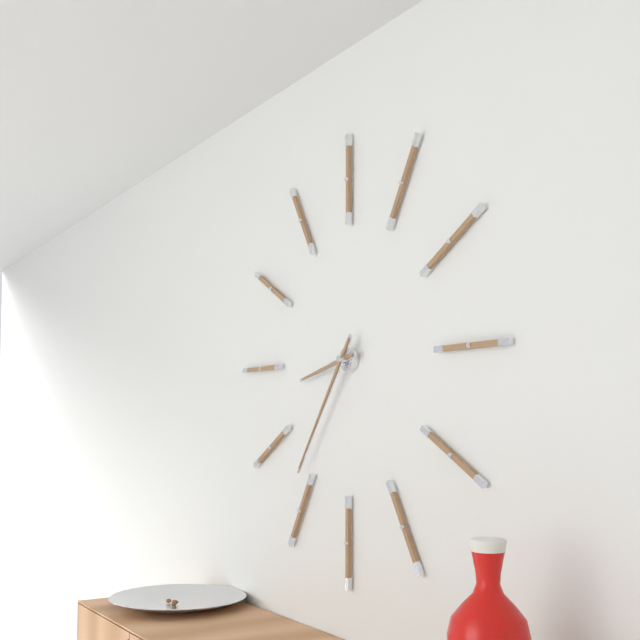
h=8 m=36
